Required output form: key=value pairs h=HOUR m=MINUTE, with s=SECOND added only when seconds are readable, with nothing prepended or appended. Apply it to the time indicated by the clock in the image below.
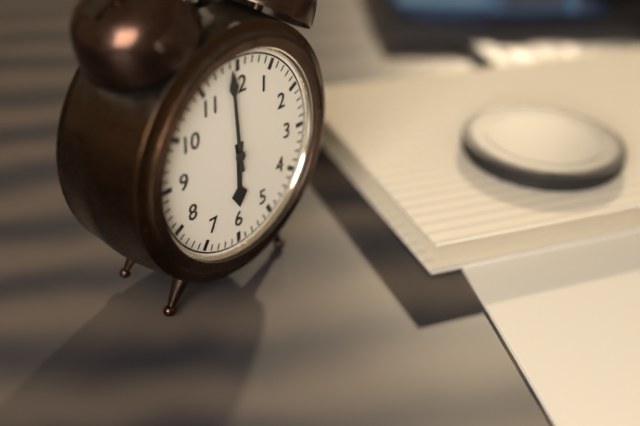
h=5 m=59
